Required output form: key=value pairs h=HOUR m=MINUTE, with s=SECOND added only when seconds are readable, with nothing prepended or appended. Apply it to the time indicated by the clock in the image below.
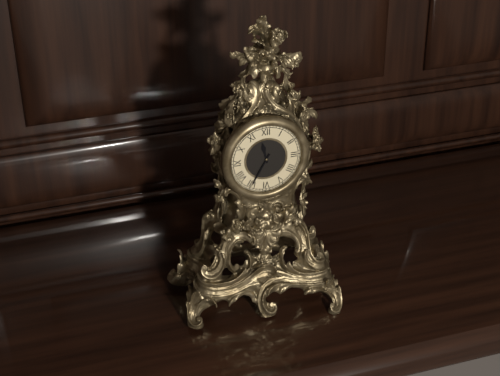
h=11 m=35
